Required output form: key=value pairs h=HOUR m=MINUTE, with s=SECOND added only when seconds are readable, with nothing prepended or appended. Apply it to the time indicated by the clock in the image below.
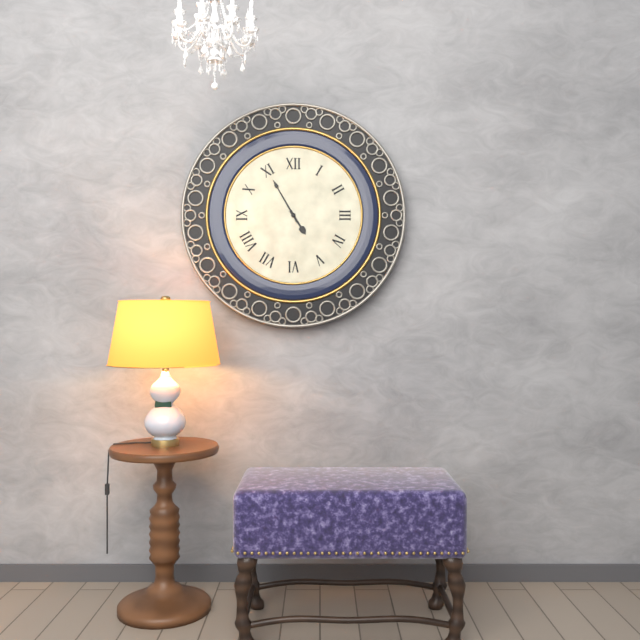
h=4 m=55
